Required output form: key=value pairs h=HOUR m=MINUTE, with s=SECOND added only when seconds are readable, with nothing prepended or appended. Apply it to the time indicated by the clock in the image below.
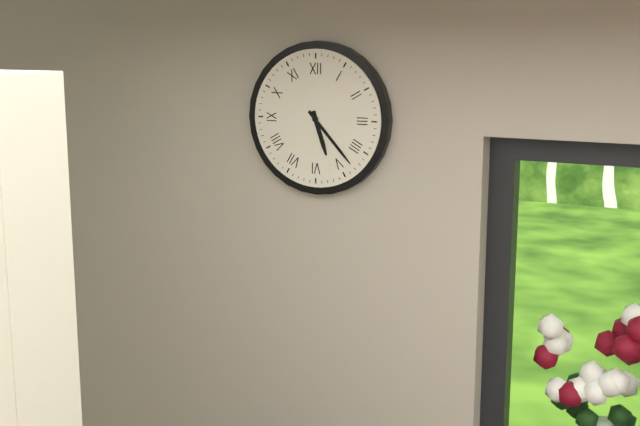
h=5 m=23
